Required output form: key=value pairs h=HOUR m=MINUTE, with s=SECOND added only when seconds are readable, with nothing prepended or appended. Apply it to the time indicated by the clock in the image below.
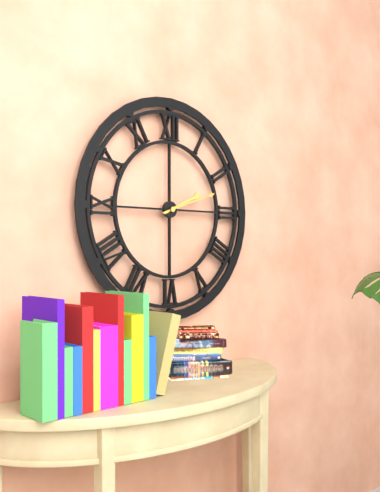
h=2 m=12
